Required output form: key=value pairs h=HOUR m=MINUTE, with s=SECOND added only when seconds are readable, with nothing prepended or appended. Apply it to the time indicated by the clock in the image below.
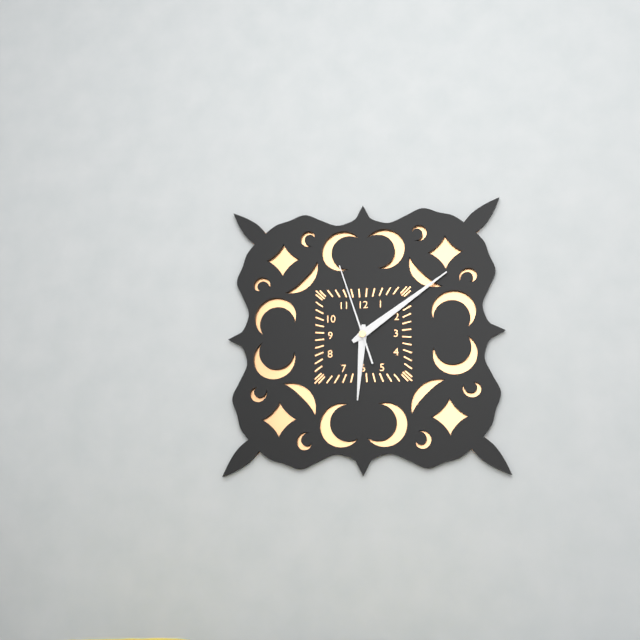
h=6 m=9 s=57
